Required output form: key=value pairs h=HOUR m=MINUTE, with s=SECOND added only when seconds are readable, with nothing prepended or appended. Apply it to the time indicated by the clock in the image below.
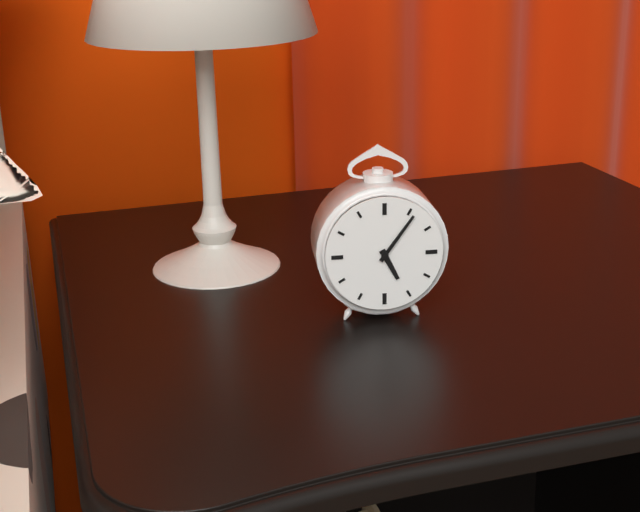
h=5 m=6
